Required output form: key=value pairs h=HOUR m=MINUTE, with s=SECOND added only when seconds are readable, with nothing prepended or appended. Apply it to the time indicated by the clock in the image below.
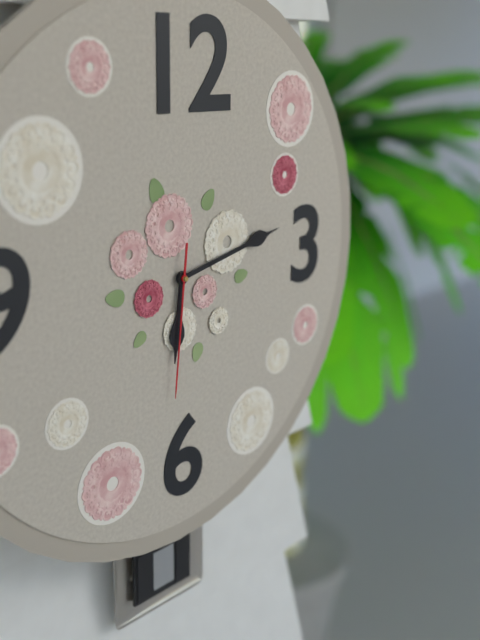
h=6 m=13 s=31
